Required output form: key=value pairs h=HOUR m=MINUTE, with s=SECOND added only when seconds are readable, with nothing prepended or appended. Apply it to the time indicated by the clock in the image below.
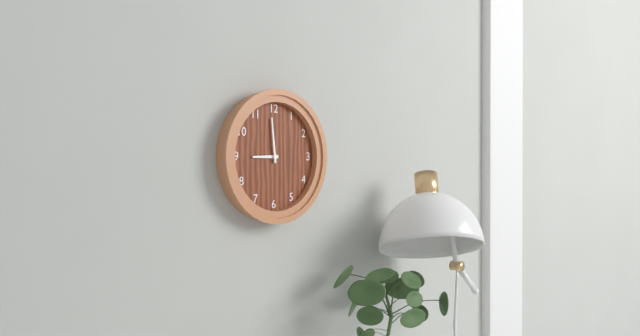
h=8 m=59
